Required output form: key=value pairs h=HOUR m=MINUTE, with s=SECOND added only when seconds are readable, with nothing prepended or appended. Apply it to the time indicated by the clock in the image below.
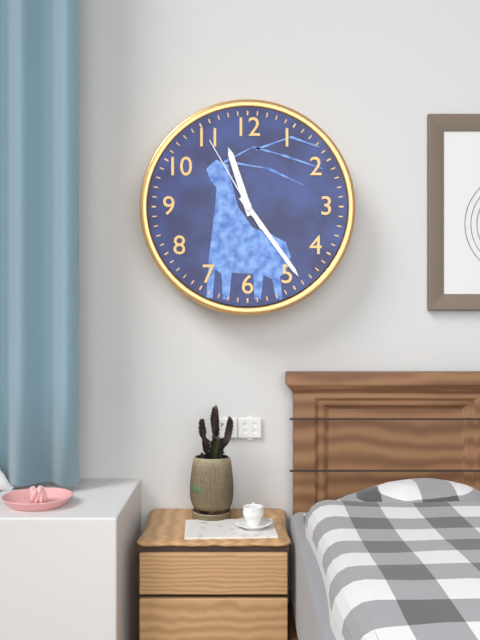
h=11 m=24 s=55
